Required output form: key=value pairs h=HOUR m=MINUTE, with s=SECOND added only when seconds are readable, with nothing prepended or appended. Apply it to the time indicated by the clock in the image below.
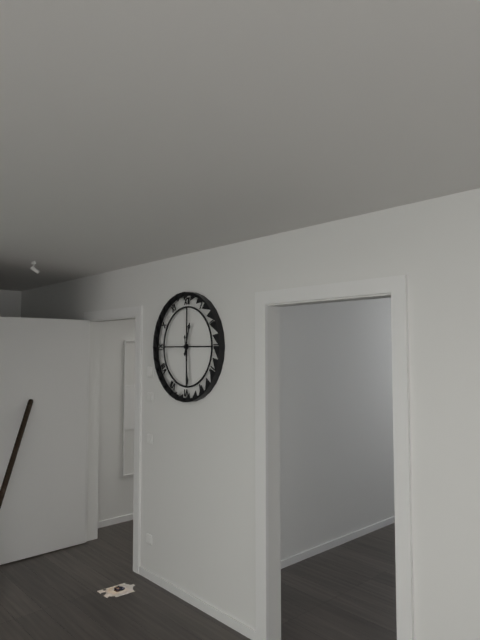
h=12 m=29
